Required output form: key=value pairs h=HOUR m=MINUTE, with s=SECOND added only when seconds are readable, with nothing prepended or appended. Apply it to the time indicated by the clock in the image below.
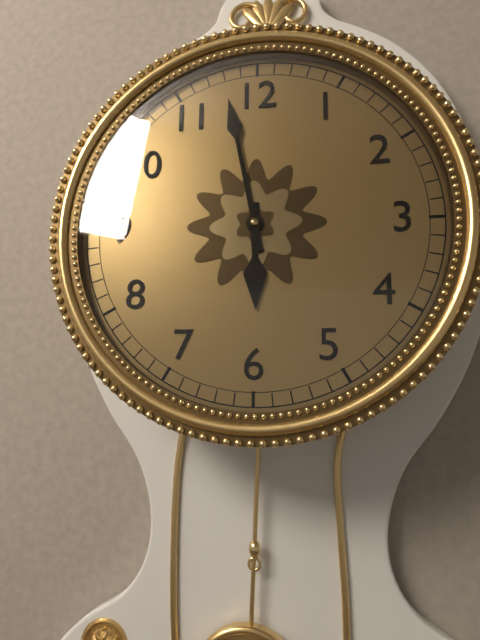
h=5 m=58
